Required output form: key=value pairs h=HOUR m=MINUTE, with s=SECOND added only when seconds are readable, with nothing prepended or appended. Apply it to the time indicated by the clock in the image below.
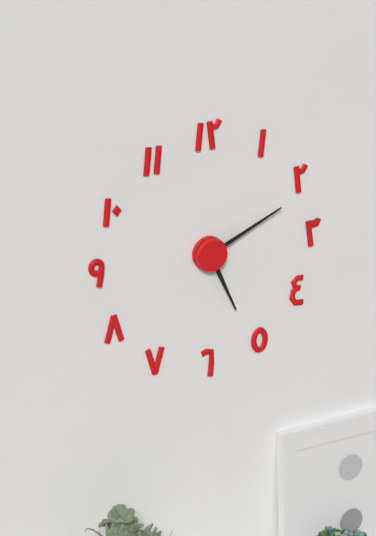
h=5 m=11
